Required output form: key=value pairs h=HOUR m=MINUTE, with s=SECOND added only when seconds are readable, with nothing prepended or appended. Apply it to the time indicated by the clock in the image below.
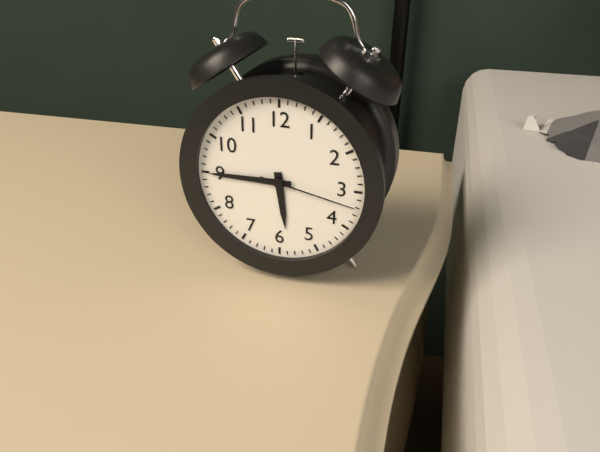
h=5 m=45 s=17
